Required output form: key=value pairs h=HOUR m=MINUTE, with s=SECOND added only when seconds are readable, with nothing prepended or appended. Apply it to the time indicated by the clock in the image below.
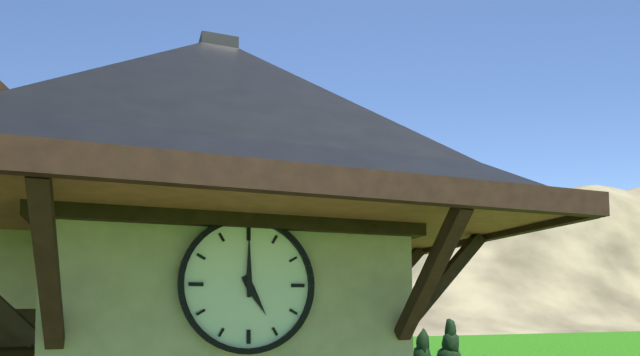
h=5 m=0
